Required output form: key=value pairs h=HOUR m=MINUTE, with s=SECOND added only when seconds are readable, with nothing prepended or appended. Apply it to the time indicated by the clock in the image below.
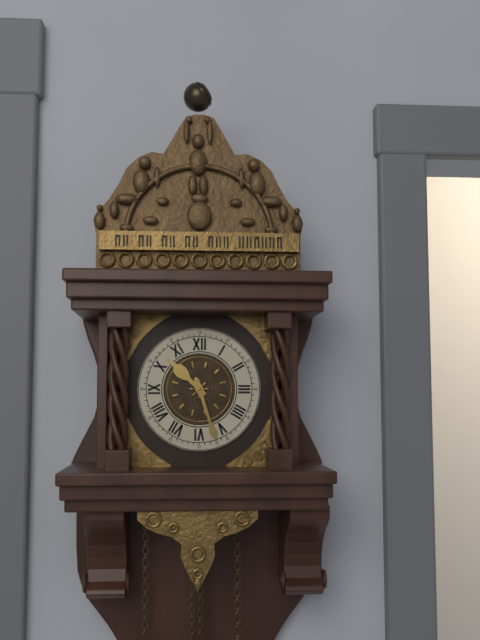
h=10 m=27
